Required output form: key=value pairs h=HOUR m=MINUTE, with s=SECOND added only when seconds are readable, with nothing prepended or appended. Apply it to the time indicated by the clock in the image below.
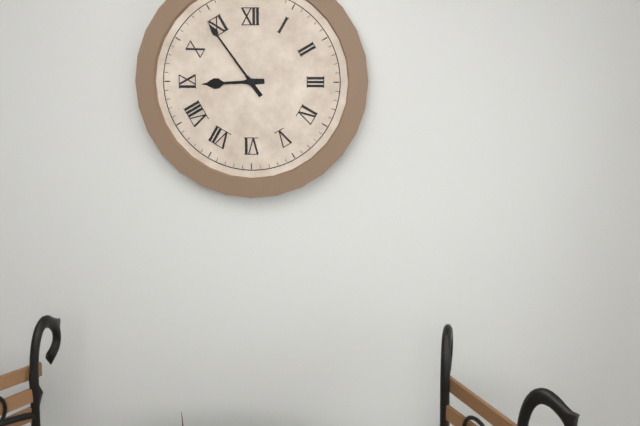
h=8 m=54
